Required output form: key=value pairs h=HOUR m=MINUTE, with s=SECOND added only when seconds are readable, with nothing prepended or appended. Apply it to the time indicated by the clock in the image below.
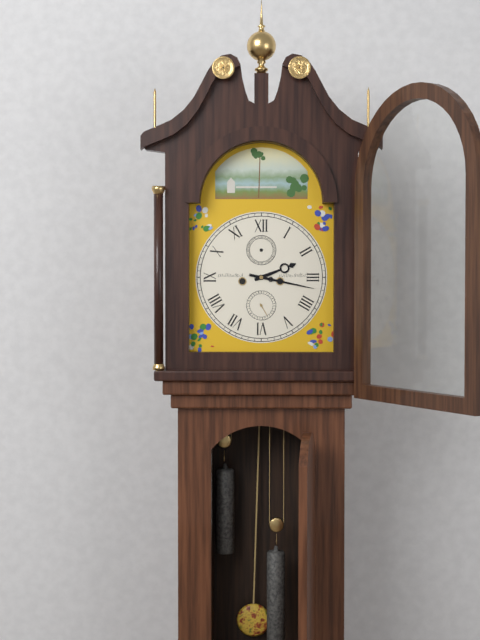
h=2 m=17
